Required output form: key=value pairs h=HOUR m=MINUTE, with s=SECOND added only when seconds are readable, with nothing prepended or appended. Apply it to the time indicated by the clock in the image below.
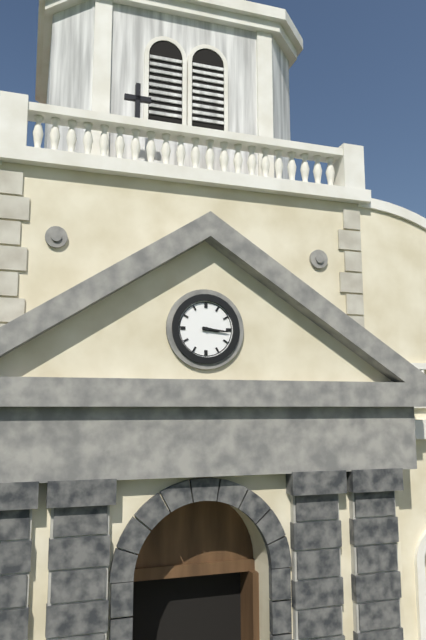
h=3 m=16
